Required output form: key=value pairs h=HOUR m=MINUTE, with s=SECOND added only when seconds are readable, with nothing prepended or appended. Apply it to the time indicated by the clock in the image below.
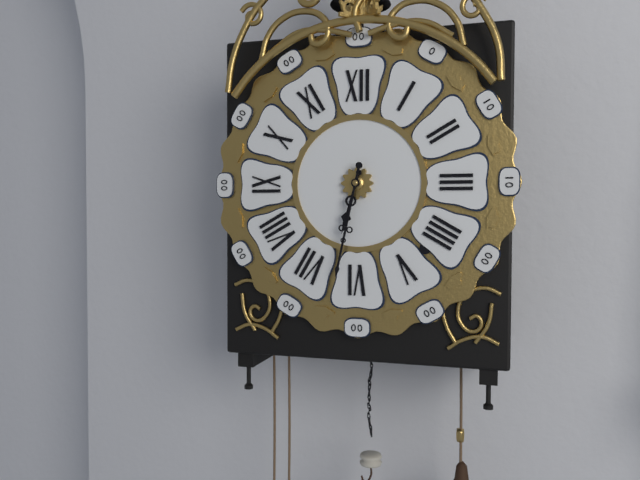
h=6 m=32
